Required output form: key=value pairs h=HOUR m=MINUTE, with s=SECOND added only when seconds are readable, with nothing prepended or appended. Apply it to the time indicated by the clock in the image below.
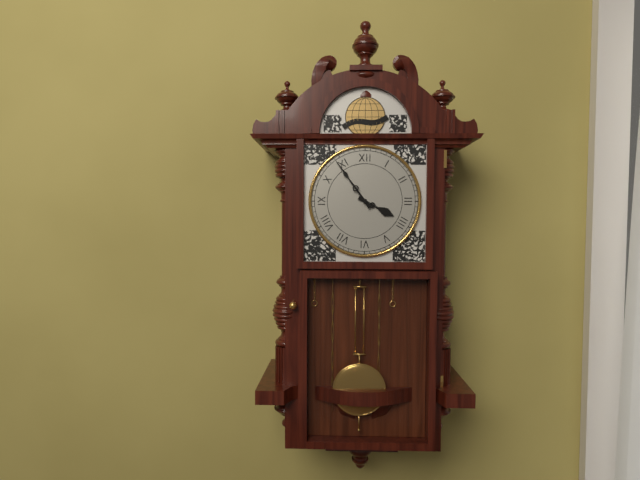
h=3 m=54
